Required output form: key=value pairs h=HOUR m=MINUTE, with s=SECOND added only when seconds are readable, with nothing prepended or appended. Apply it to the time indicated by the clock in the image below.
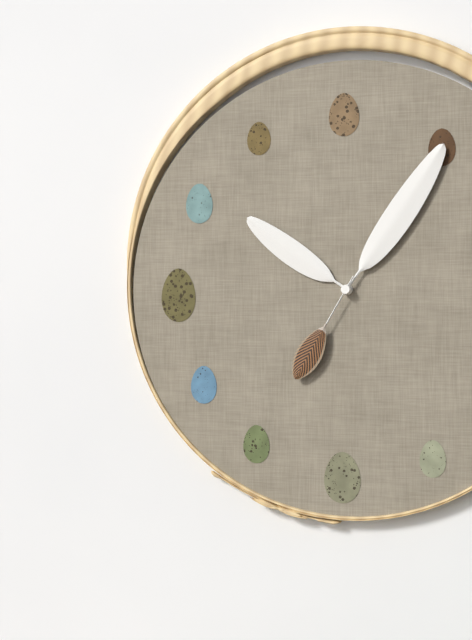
h=10 m=6 s=35
